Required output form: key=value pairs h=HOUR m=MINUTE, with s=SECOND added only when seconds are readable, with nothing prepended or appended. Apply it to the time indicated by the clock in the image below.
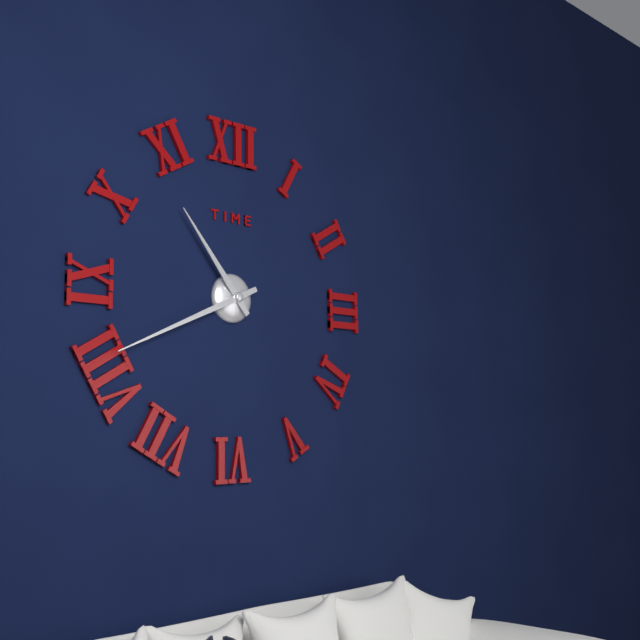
h=10 m=41
